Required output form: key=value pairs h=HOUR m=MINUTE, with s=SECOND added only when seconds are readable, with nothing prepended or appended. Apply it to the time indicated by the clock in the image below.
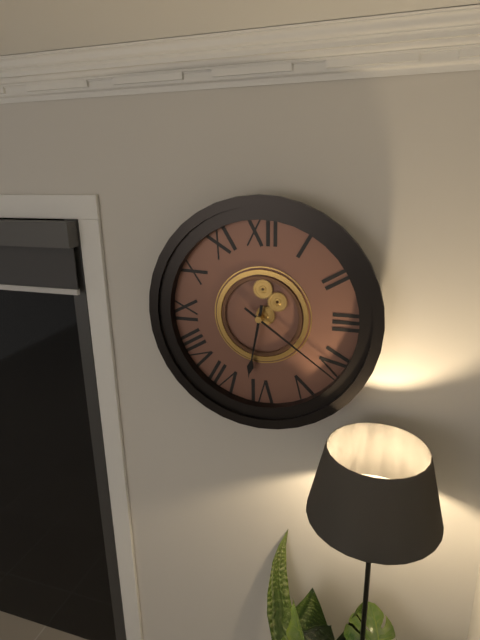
h=6 m=21
